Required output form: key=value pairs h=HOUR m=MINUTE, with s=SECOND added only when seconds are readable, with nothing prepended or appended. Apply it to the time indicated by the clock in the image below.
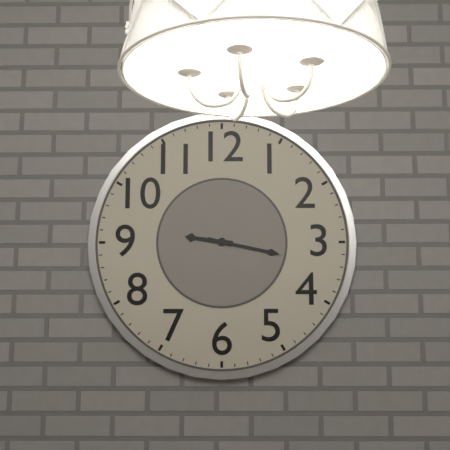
h=9 m=17
